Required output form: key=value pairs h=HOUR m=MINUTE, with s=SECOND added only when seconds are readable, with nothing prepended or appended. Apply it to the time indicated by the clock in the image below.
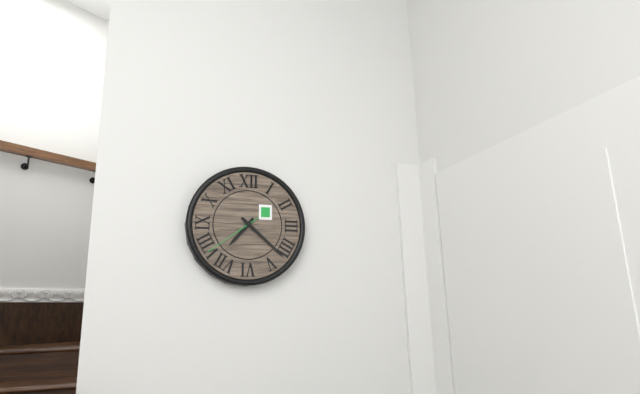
h=7 m=22 s=39
